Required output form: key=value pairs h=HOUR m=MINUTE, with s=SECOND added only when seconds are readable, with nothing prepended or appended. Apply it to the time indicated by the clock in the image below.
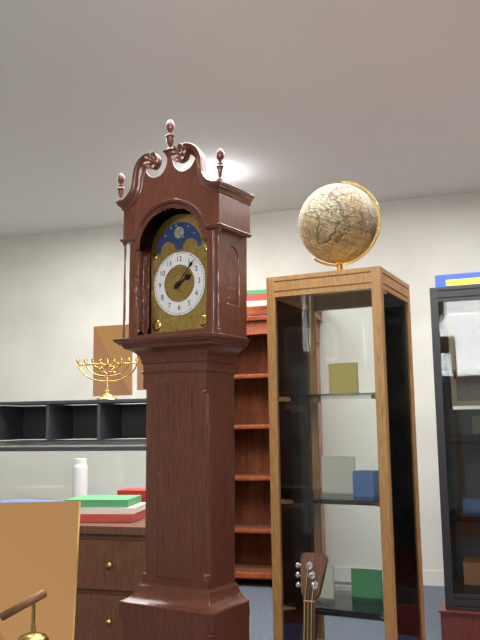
h=2 m=7
